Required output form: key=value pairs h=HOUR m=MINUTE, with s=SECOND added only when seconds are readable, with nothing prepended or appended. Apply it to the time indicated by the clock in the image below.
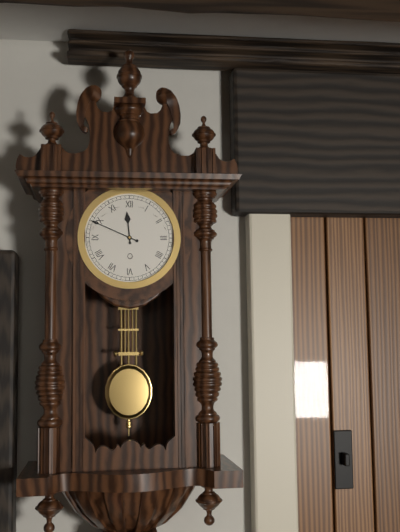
h=11 m=49
